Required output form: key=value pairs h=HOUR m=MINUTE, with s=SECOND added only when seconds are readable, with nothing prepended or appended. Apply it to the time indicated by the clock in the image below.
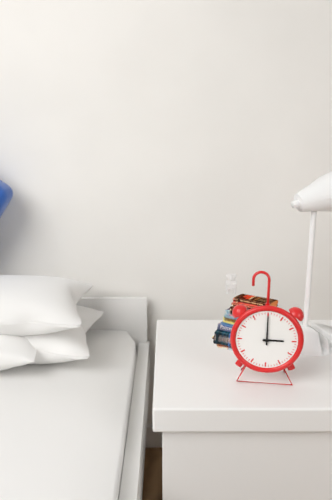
h=3 m=0
